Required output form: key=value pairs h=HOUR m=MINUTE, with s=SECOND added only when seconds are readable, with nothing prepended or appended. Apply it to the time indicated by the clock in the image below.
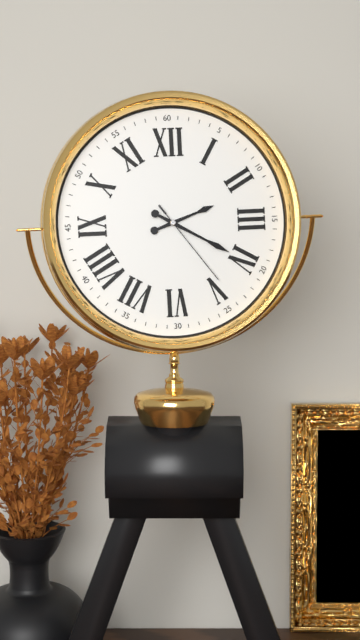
h=2 m=20 s=24
